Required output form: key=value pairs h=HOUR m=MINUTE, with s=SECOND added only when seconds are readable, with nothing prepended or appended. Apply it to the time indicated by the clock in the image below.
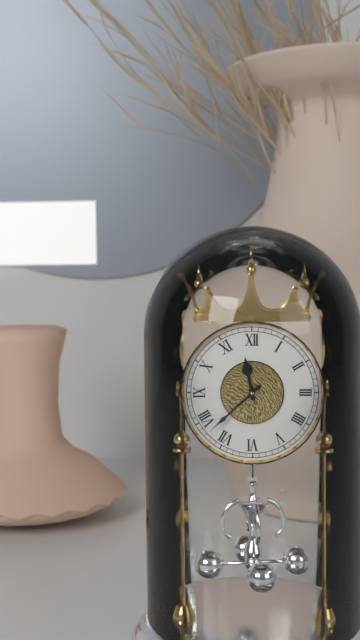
h=11 m=38
